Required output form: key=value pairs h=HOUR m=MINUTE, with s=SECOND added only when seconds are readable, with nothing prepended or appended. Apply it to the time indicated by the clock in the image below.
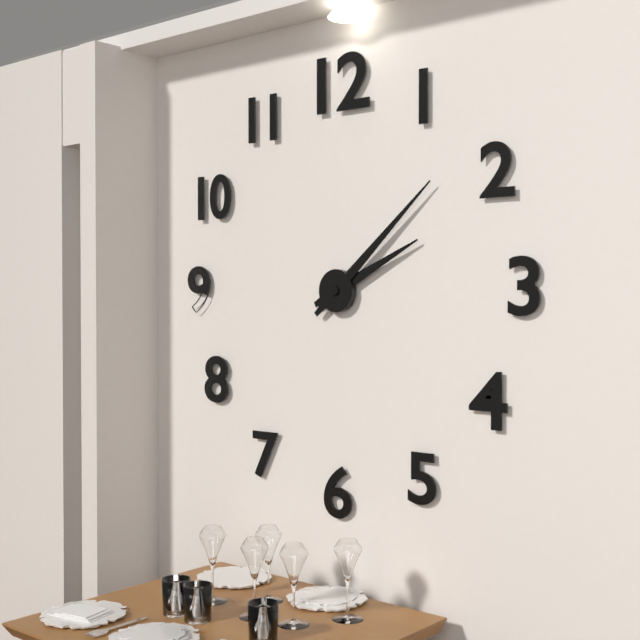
h=2 m=8
